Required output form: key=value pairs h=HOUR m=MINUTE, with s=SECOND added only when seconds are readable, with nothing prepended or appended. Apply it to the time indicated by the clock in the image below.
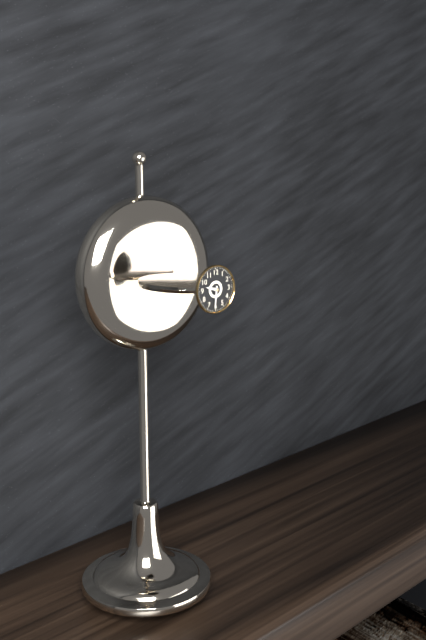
h=9 m=31
